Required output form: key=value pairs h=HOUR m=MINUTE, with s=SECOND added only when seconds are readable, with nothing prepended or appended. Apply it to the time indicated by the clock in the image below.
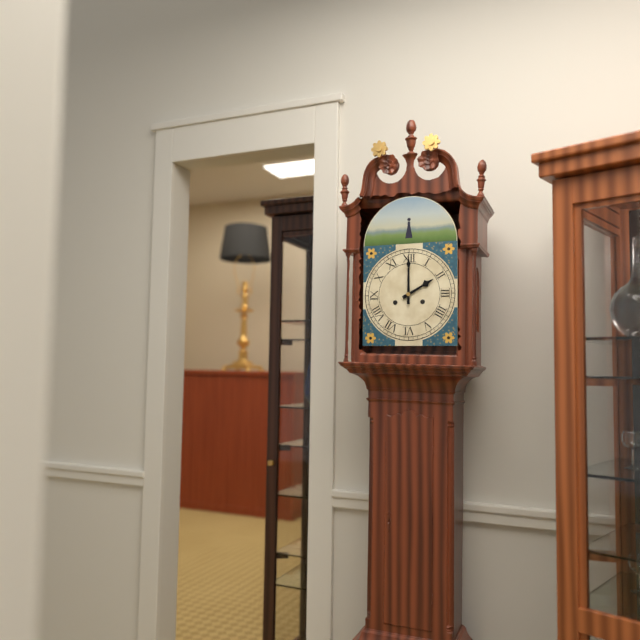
h=2 m=0
